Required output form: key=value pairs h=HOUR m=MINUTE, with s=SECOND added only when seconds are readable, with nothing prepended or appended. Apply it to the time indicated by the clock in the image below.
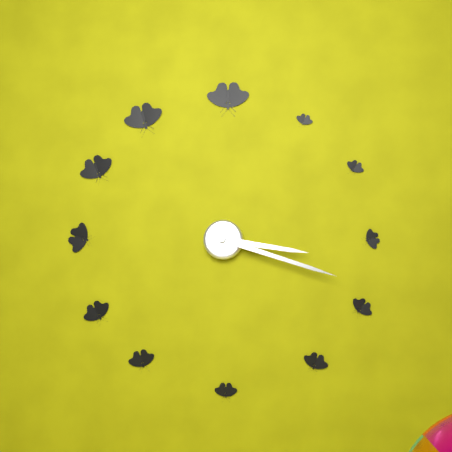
h=3 m=18
